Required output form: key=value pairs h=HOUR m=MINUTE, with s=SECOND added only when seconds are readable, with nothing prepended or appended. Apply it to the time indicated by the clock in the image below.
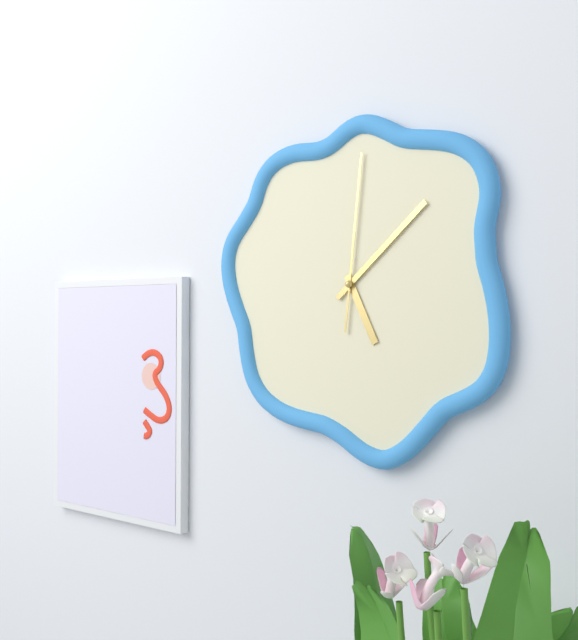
h=5 m=8 s=1
